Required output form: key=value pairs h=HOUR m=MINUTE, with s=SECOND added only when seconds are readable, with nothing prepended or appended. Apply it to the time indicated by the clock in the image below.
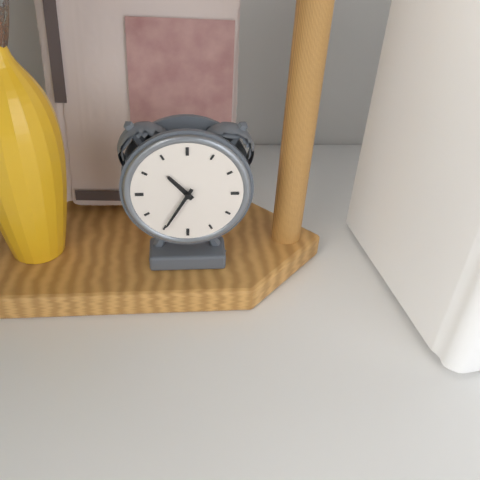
h=10 m=35
